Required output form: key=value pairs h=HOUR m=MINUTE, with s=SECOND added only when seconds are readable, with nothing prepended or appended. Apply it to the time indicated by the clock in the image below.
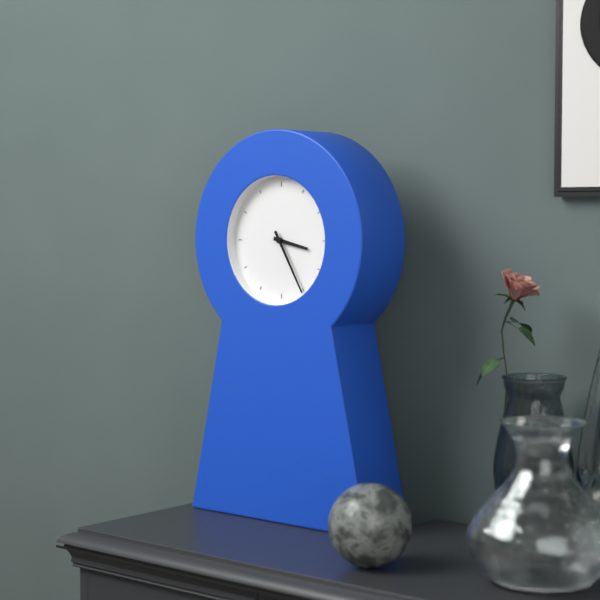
h=3 m=25
